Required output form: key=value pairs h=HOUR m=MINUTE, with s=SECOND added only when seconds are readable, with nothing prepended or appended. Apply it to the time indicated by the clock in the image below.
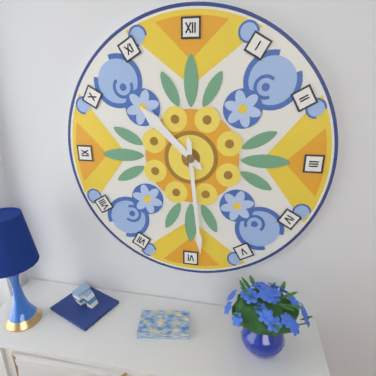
h=10 m=29
